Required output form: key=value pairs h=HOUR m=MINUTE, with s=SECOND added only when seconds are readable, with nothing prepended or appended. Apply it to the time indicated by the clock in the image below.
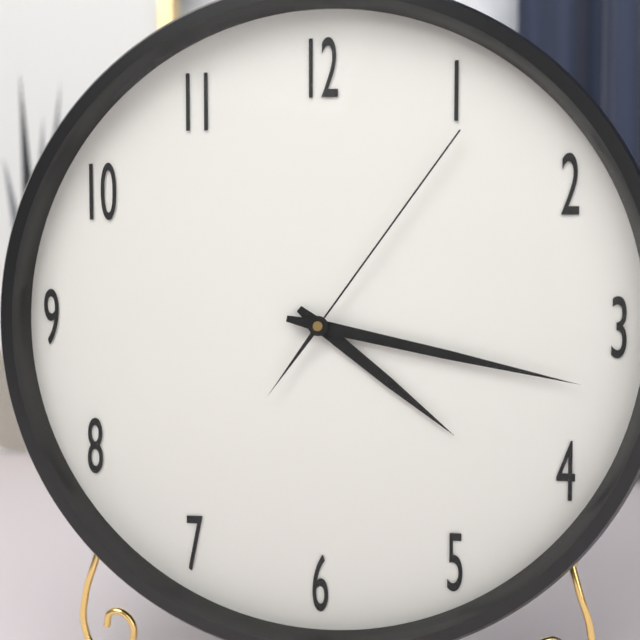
h=4 m=17 s=6
